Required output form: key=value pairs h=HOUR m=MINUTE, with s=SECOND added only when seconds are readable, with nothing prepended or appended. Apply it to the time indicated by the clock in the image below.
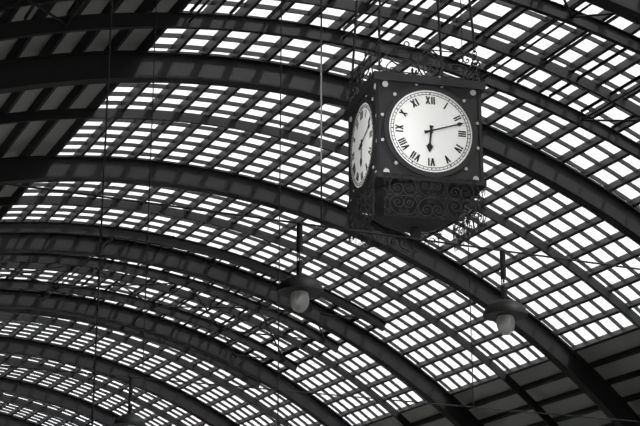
h=6 m=12
